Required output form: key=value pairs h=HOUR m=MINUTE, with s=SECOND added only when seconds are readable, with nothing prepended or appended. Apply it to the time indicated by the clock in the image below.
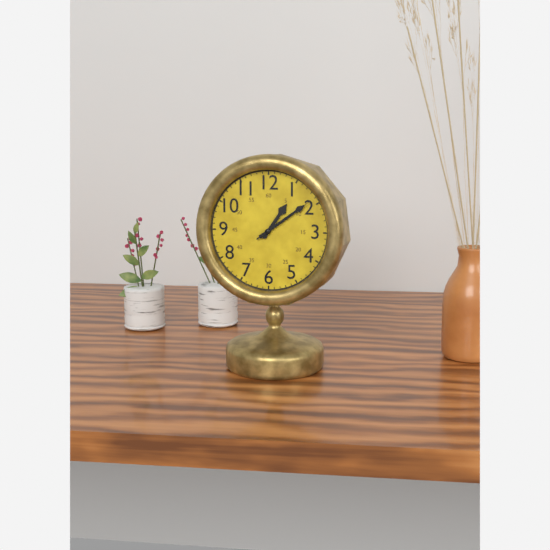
h=1 m=9 s=9
